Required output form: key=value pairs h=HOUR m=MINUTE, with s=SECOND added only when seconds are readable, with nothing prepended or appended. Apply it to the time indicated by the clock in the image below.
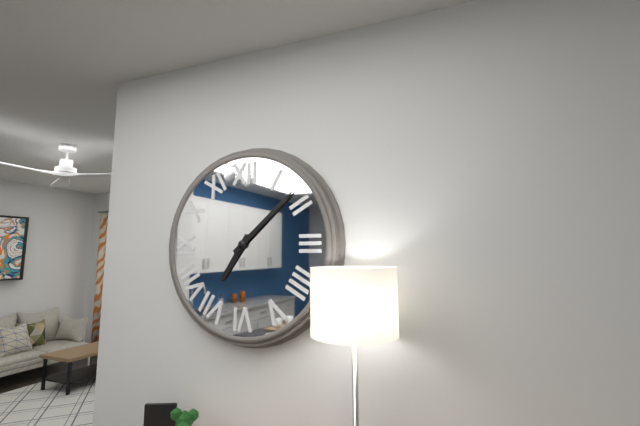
h=7 m=8
